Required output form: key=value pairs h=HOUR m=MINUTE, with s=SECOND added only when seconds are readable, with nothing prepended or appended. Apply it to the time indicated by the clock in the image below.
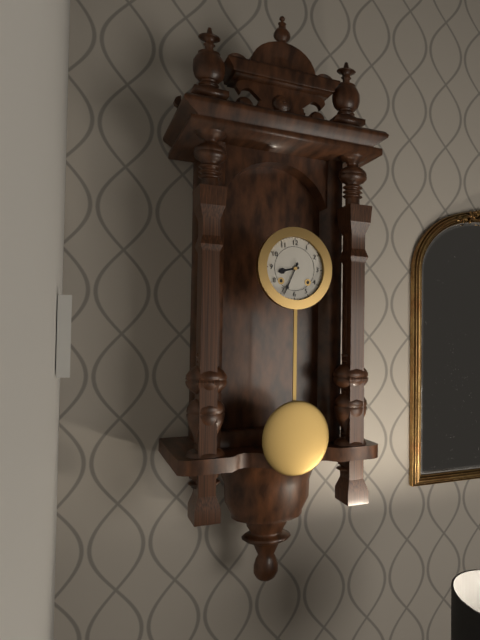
h=8 m=34
